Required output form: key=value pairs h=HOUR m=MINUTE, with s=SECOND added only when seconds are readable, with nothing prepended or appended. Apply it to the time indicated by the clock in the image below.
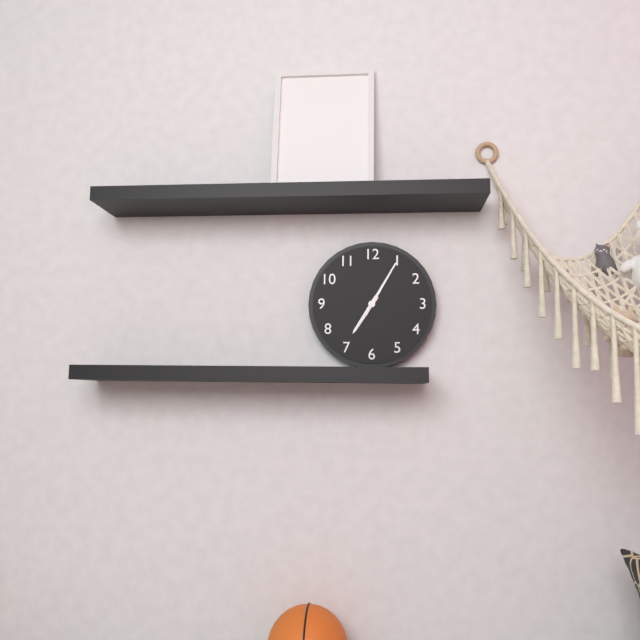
h=7 m=5
